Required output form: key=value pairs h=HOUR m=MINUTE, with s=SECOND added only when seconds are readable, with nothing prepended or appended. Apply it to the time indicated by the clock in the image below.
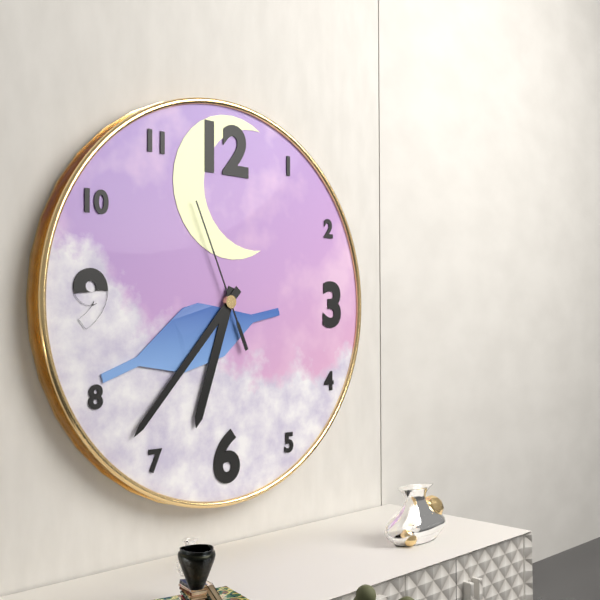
h=6 m=37 s=56
